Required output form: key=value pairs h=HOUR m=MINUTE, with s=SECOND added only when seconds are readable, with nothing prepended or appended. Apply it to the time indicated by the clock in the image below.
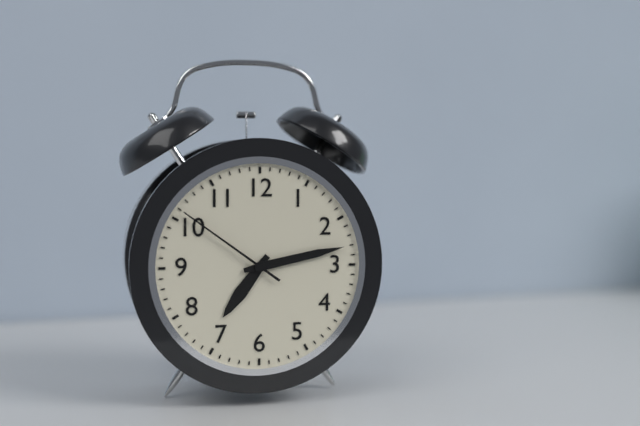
h=7 m=13 s=51
